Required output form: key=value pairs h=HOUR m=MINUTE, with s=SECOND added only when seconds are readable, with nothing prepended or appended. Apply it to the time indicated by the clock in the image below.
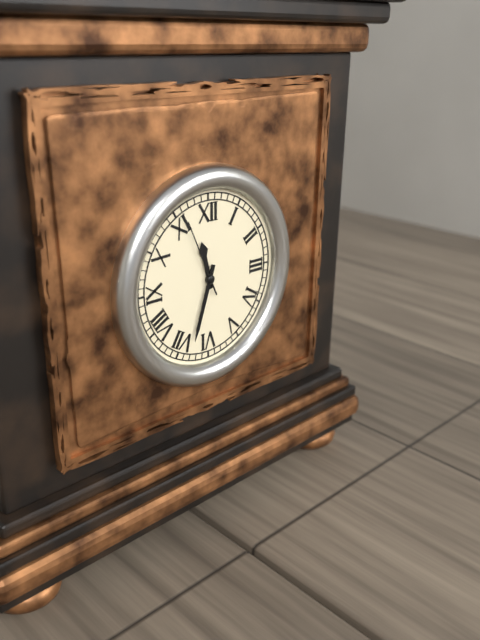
h=11 m=33 s=56
